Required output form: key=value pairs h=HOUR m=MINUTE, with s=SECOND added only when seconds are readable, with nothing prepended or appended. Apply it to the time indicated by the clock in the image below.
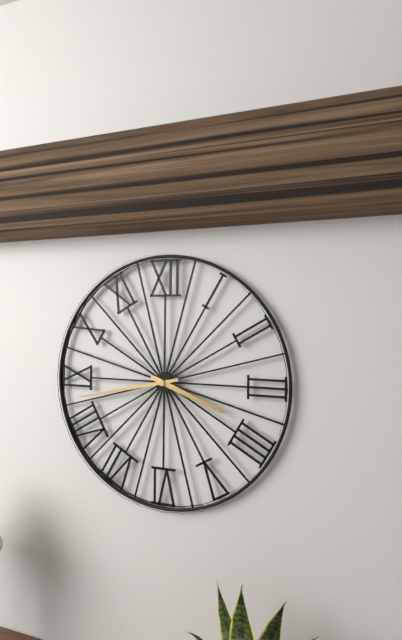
h=3 m=43
